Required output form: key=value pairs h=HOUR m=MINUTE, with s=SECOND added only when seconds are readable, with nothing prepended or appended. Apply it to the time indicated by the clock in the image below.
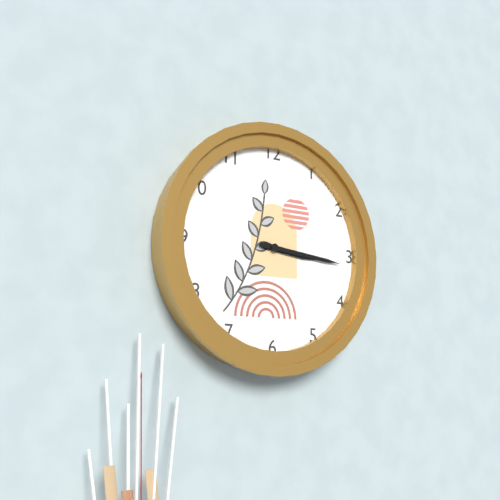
h=3 m=16
